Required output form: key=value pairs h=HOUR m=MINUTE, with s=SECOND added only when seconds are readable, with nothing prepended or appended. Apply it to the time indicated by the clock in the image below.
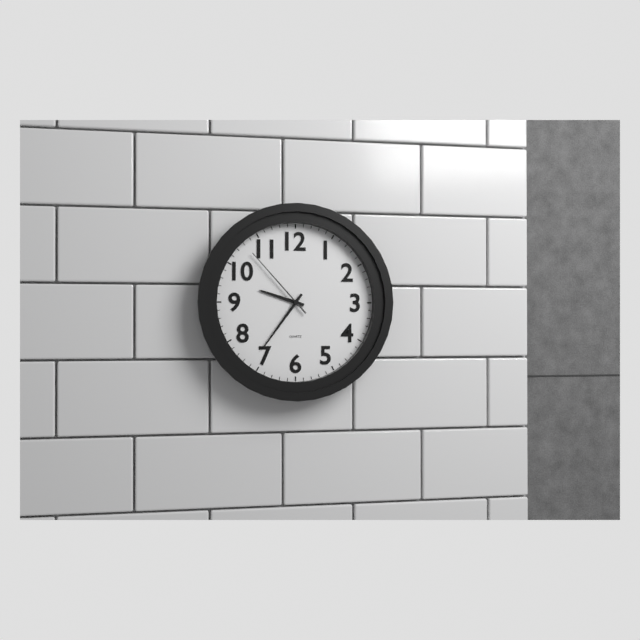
h=9 m=36 s=53
